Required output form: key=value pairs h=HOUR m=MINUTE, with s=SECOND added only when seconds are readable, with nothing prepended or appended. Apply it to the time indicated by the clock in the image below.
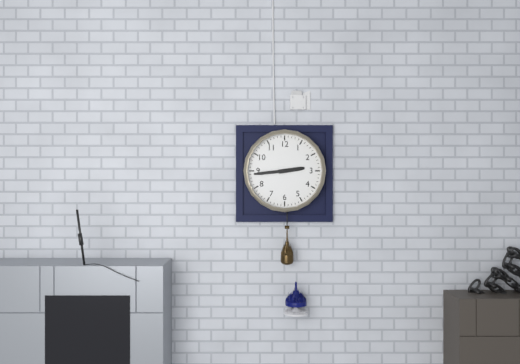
h=2 m=44
